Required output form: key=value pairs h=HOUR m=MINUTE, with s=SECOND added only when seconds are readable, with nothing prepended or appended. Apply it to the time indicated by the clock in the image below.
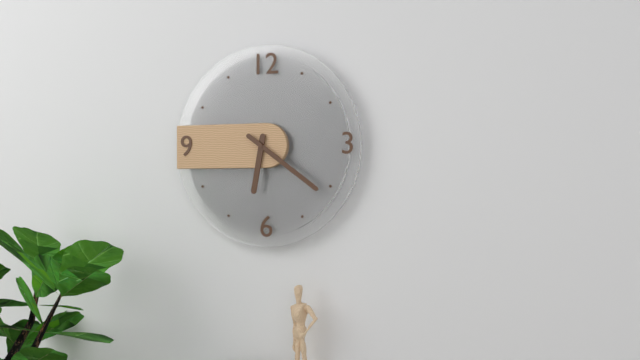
h=6 m=21
